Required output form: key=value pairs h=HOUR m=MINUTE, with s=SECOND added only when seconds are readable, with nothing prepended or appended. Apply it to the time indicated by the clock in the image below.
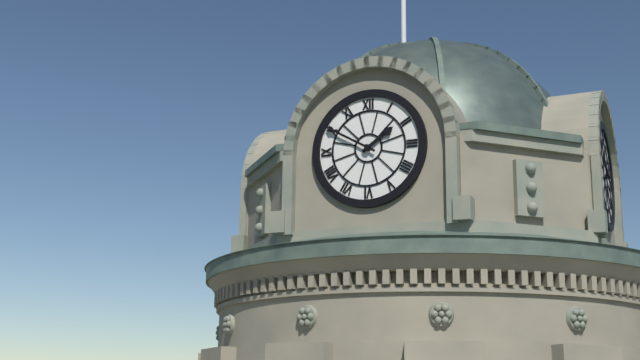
h=1 m=50
